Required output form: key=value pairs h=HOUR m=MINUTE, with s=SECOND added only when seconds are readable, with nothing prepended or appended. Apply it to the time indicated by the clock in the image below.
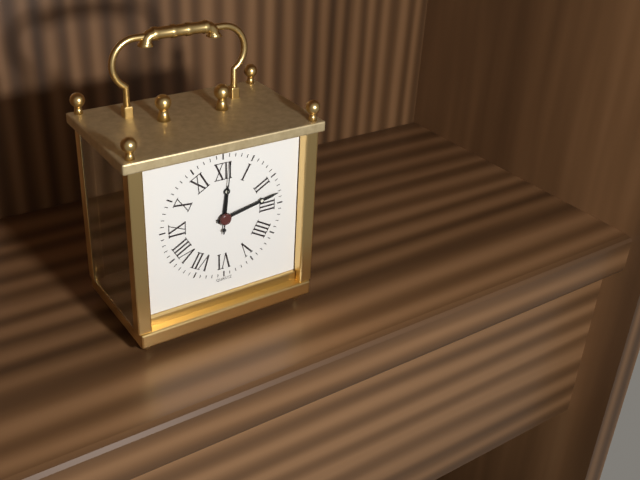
h=12 m=13 s=1
